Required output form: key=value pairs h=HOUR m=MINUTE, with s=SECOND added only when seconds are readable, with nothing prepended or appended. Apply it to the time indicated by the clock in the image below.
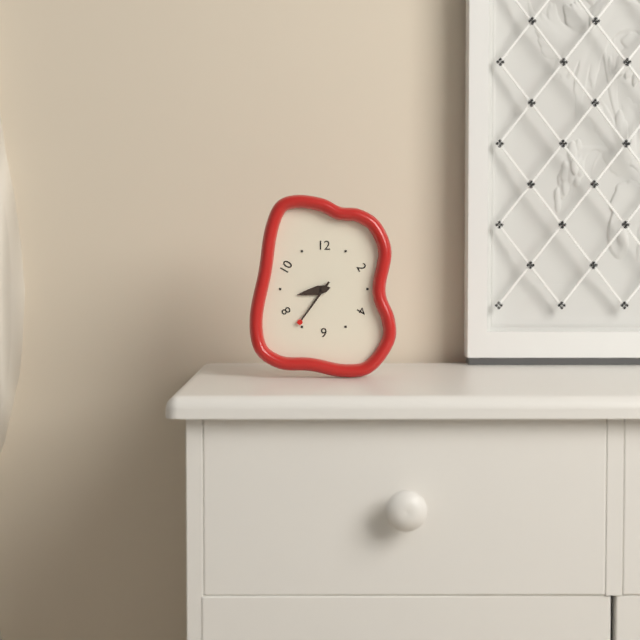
h=8 m=36
